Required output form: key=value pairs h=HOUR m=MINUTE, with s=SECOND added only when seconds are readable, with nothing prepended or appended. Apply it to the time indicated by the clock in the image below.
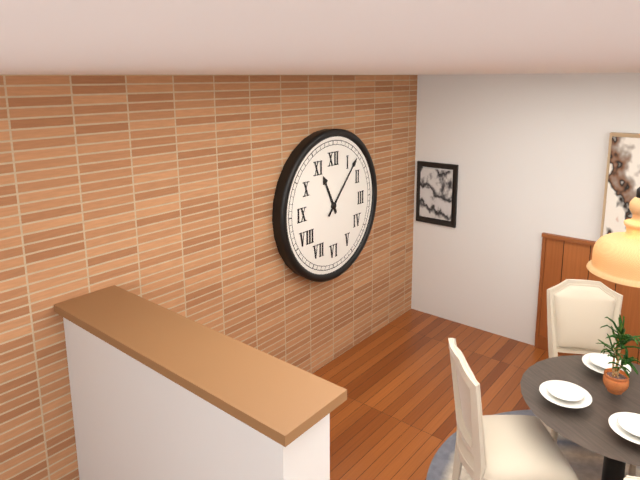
h=11 m=7
